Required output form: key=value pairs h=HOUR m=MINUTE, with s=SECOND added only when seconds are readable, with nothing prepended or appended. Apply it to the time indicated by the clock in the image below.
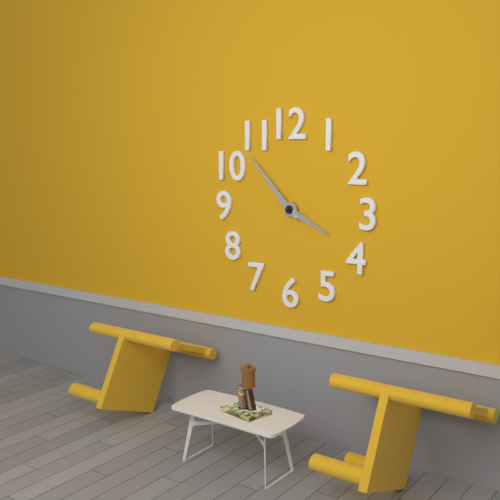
h=3 m=53
